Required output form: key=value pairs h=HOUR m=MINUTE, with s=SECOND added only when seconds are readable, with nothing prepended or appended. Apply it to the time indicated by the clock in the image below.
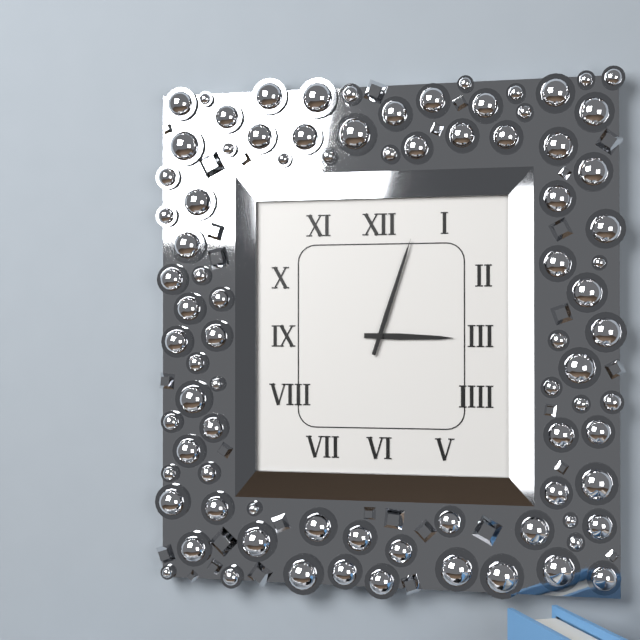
h=3 m=3
